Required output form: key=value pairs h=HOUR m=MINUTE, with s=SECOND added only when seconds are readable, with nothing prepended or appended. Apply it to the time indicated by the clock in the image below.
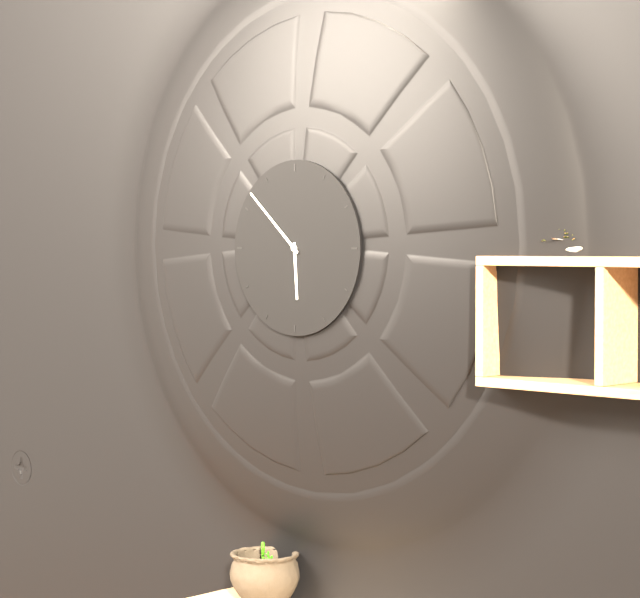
h=5 m=52
